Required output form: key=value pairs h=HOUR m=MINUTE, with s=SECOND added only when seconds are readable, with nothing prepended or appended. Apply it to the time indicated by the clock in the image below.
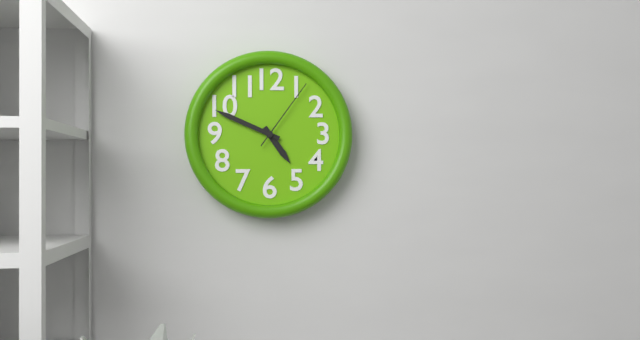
h=4 m=49 s=6
